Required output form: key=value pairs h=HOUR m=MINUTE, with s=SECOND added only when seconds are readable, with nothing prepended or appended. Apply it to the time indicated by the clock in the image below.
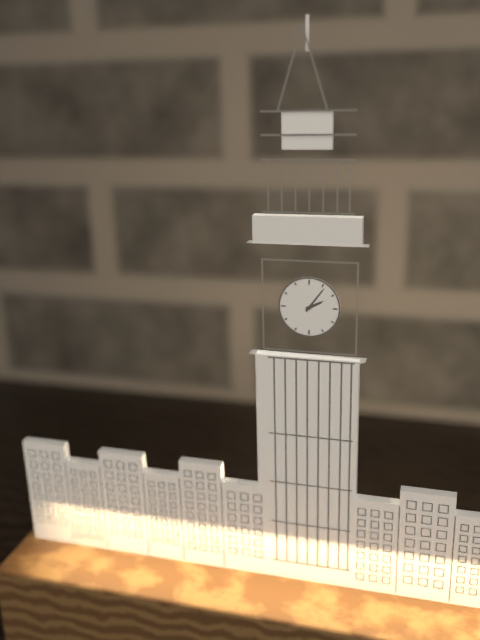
h=2 m=6
